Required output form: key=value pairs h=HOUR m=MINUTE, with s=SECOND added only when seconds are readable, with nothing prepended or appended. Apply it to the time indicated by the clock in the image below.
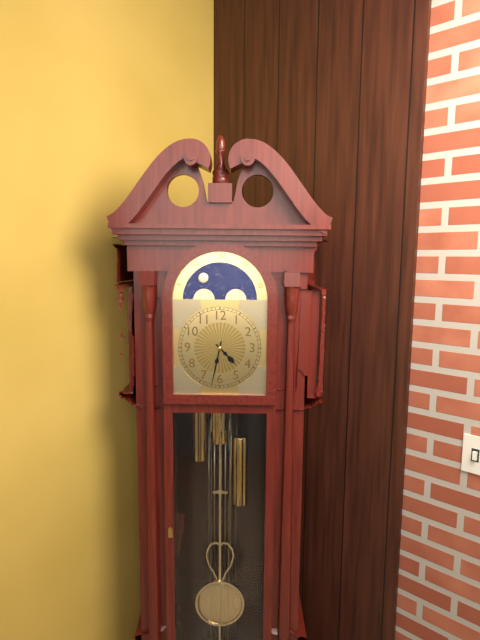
h=4 m=32
